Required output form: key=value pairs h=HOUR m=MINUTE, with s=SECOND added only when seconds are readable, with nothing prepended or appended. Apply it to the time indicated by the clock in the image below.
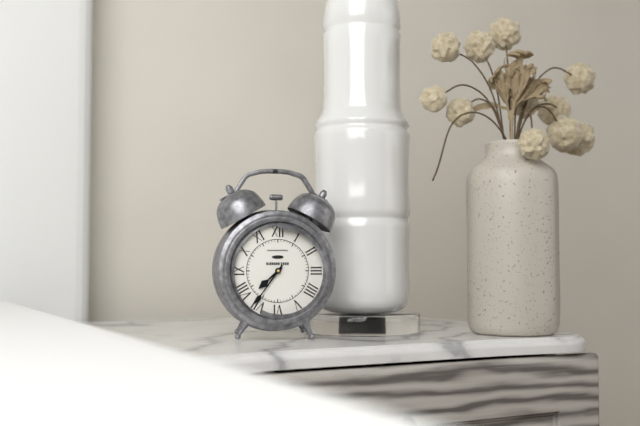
h=7 m=36
